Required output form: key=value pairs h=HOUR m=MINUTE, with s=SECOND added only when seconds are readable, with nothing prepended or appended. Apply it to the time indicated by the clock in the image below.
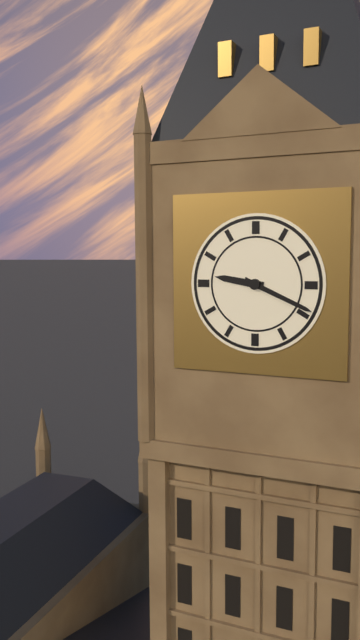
h=9 m=19
